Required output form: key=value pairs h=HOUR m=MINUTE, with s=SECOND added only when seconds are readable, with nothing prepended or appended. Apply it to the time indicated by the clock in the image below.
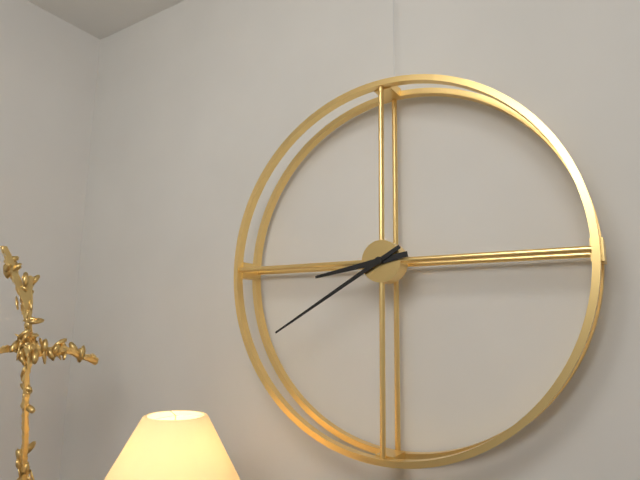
h=8 m=40
